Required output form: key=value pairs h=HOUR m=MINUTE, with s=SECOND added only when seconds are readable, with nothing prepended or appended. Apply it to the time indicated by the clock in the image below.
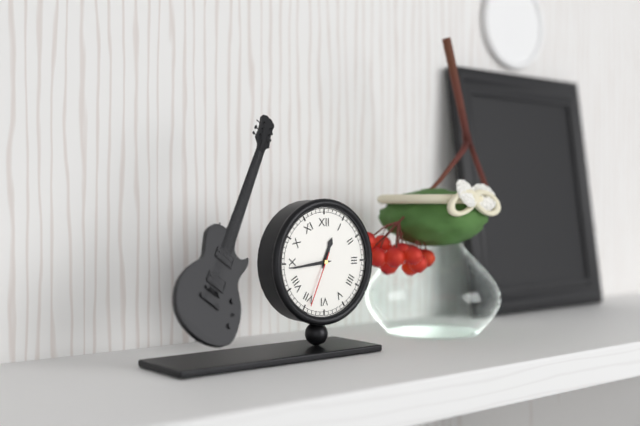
h=12 m=44 s=34
